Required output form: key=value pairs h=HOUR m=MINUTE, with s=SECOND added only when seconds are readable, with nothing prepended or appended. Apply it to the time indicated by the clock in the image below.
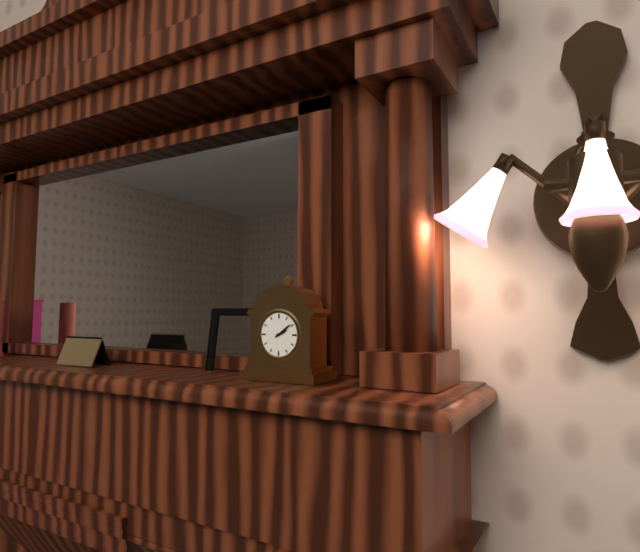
h=2 m=9
